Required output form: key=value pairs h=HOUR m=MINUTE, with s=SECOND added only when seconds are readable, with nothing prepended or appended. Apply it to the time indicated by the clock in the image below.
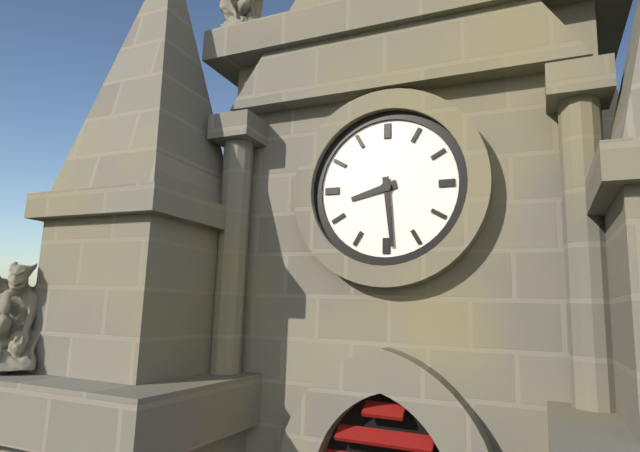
h=8 m=29
